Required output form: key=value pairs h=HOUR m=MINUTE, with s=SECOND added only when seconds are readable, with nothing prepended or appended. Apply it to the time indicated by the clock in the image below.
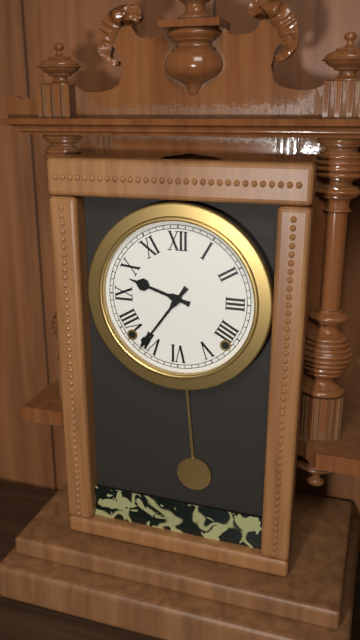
h=9 m=36
